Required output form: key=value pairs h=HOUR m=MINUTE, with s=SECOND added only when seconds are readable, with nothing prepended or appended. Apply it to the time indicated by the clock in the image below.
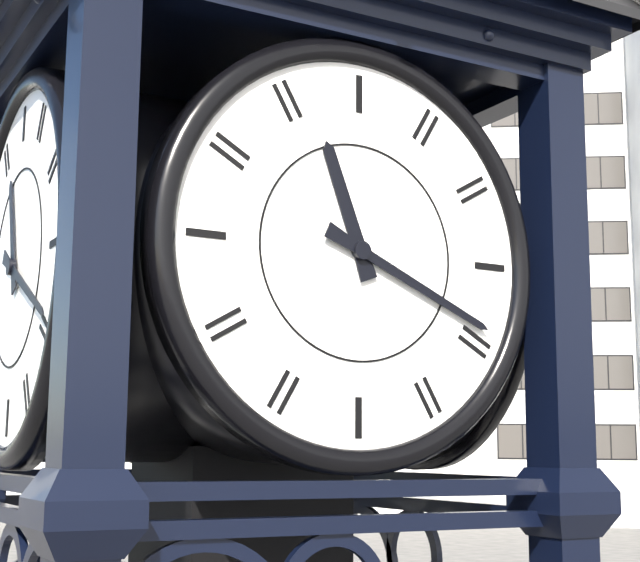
h=11 m=19
